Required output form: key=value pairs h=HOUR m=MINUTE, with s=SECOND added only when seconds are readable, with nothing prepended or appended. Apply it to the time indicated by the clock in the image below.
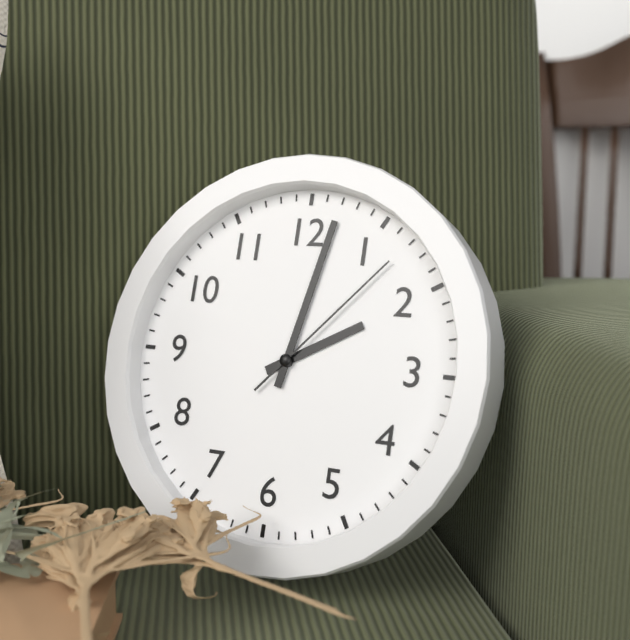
h=2 m=2 s=7
